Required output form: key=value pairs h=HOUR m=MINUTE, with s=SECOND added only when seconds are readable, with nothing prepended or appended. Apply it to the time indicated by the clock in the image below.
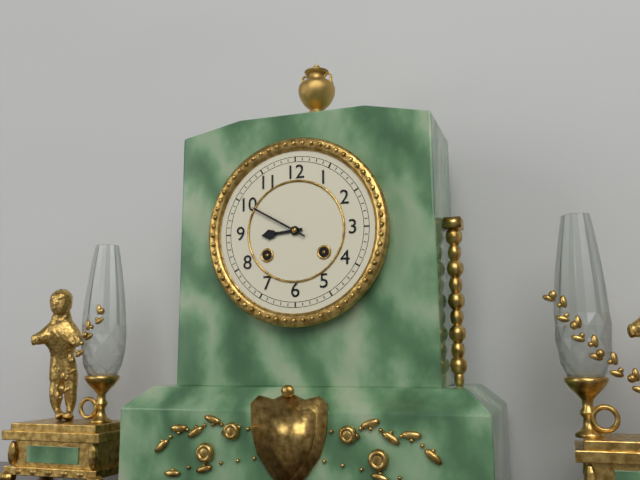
h=8 m=50
